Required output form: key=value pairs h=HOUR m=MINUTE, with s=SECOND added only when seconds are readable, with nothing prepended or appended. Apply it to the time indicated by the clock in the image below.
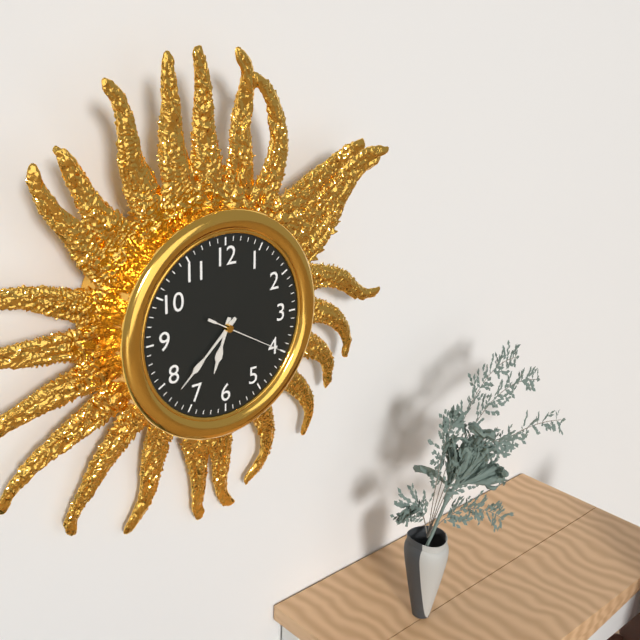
h=6 m=38 s=20
